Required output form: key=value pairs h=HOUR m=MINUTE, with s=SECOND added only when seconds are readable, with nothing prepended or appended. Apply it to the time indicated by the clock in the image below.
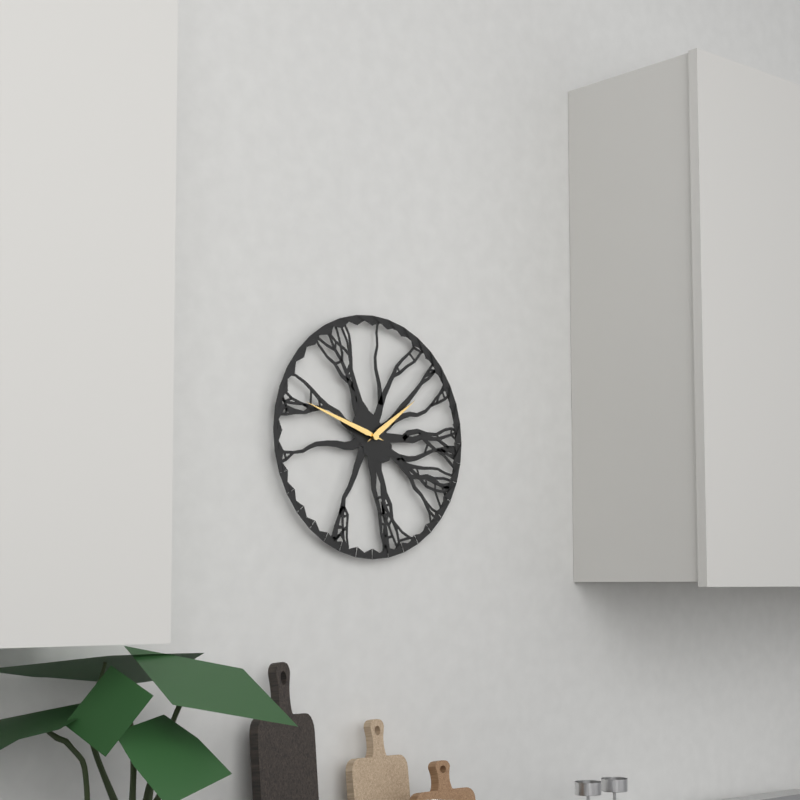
h=1 m=48
